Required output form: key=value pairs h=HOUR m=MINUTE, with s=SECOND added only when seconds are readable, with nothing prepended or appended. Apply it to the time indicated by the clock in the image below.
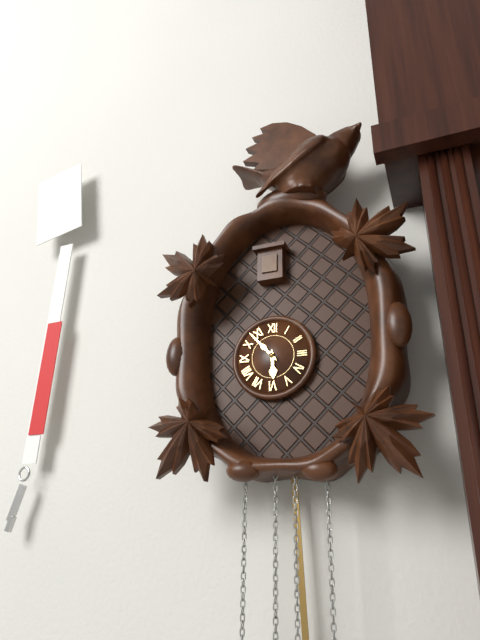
h=5 m=53
